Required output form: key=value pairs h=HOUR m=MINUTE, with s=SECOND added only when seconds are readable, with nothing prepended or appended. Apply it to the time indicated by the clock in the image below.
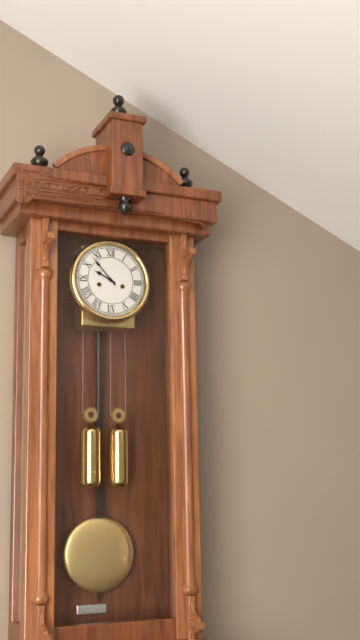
h=9 m=53
